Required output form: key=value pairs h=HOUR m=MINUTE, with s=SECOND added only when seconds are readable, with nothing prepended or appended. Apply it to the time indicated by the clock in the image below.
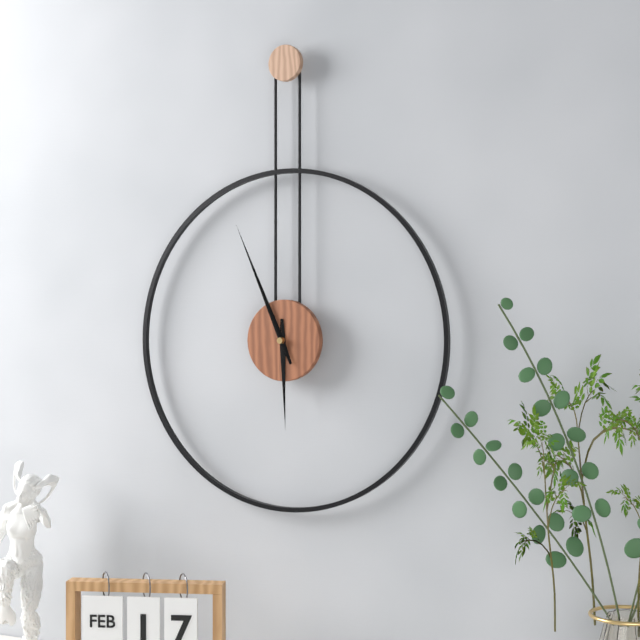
h=5 m=56
